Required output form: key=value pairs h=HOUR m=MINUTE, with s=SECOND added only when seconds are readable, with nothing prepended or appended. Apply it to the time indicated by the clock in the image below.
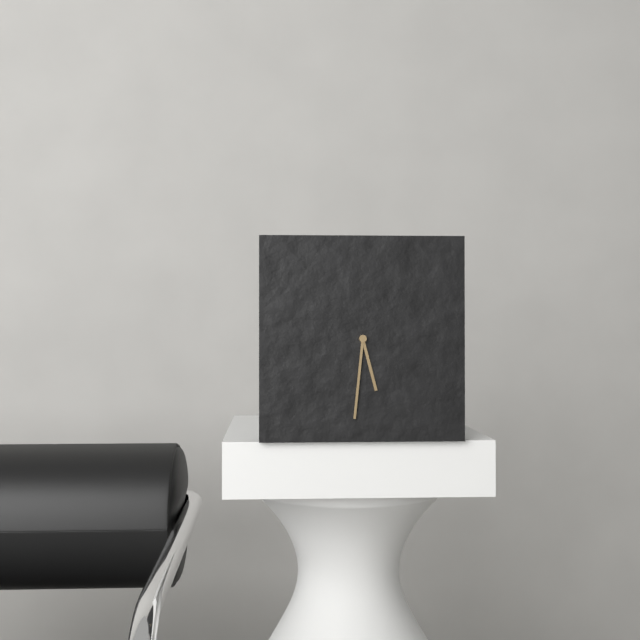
h=5 m=31
